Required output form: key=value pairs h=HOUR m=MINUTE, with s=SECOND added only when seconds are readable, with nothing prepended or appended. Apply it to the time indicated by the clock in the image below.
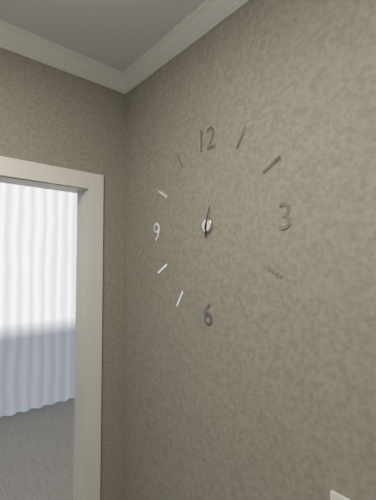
h=6 m=3
